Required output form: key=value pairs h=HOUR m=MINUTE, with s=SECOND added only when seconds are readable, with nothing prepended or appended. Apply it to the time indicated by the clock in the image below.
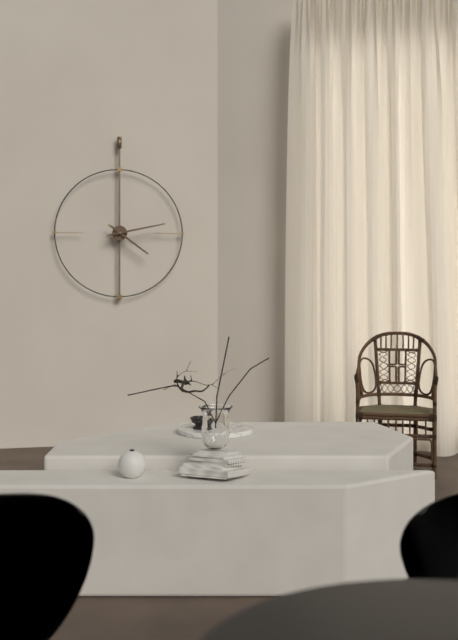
h=4 m=13
